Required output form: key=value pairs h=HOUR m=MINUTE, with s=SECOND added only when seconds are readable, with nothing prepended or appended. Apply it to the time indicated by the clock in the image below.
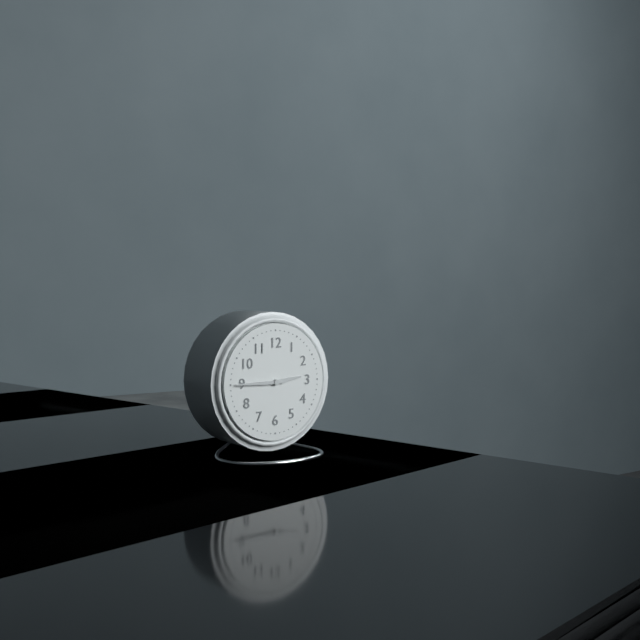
h=2 m=45
